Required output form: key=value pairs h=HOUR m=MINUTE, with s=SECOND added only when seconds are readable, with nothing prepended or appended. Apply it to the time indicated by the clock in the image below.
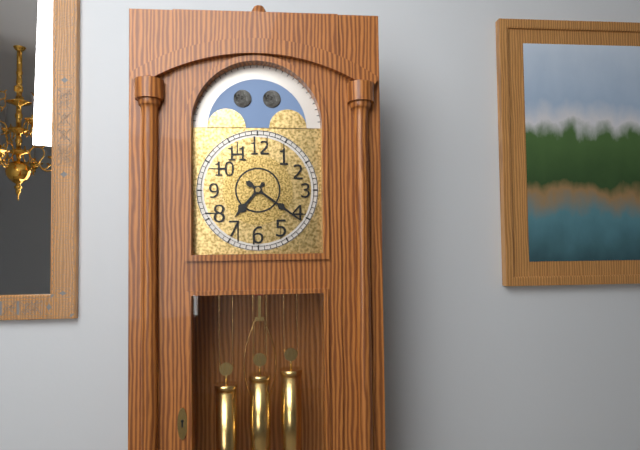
h=7 m=21
